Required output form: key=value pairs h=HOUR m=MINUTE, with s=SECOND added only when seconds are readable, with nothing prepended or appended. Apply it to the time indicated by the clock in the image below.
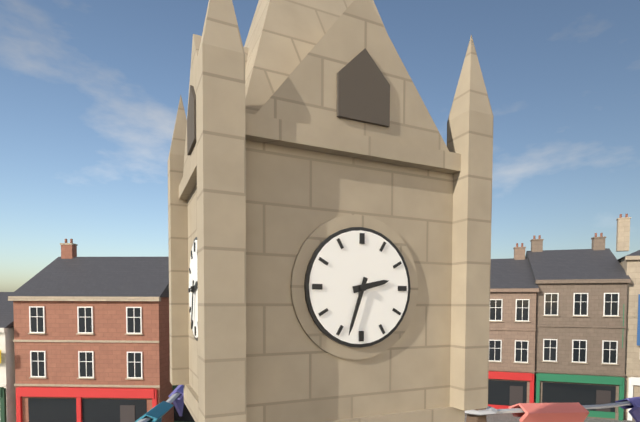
h=2 m=33
